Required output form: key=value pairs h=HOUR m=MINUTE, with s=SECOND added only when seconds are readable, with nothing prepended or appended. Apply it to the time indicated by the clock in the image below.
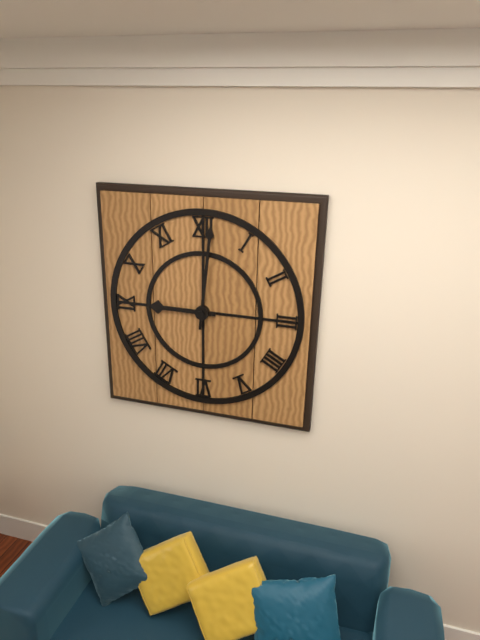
h=9 m=1
